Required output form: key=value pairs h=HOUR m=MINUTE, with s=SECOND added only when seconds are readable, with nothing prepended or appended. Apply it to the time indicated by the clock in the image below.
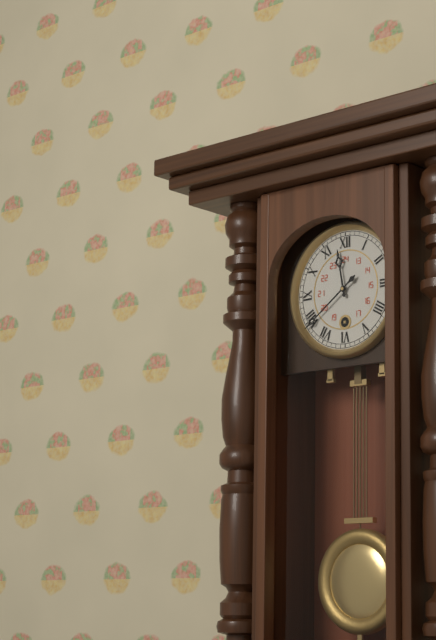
h=11 m=39
